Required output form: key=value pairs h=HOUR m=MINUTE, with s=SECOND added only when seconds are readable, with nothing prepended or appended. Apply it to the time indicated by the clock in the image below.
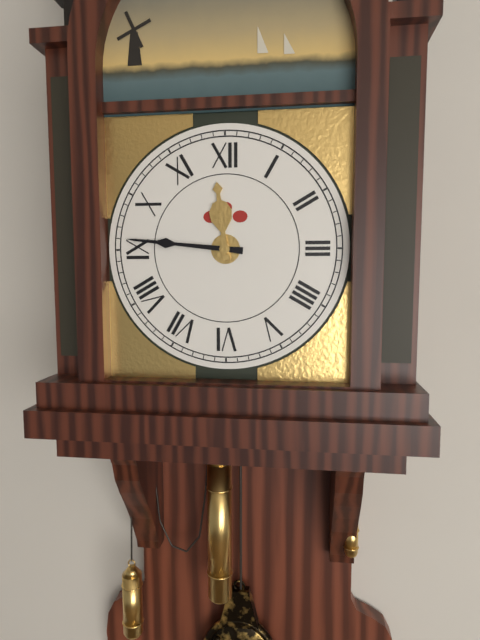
h=11 m=46
